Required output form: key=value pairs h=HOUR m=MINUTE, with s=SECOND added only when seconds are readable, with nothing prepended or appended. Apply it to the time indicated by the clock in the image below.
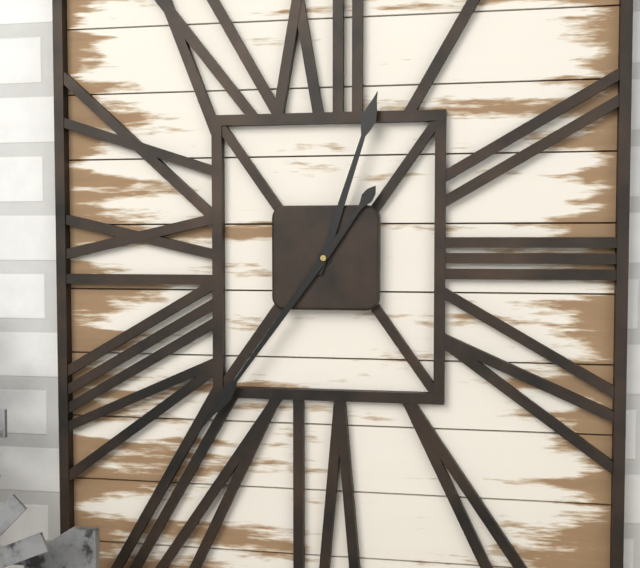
h=12 m=36
